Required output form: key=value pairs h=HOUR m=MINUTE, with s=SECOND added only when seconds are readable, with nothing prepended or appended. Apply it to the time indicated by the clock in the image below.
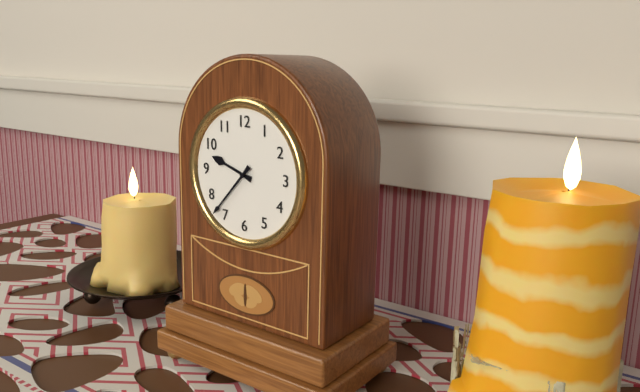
h=9 m=37
